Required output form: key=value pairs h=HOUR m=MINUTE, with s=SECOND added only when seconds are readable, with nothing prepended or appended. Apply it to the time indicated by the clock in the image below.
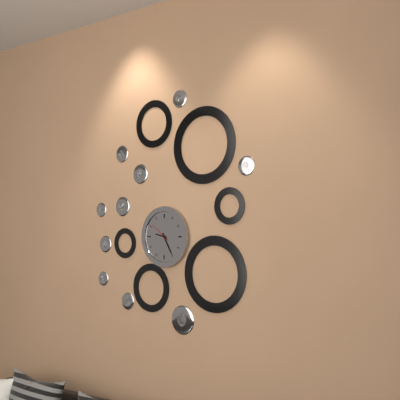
h=9 m=25
